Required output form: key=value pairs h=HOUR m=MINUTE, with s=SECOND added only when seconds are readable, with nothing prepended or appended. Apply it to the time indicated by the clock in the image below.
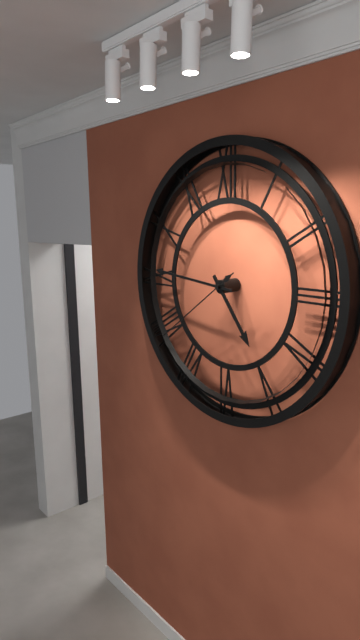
h=4 m=46 s=39
